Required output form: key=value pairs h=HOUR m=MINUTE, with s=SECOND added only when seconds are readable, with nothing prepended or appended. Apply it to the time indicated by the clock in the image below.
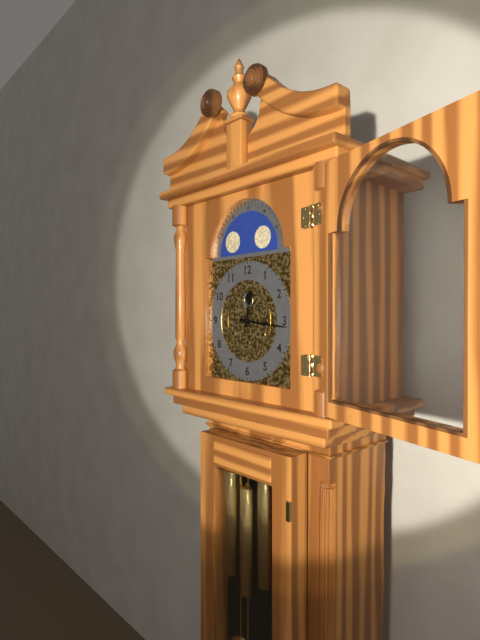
h=12 m=16
